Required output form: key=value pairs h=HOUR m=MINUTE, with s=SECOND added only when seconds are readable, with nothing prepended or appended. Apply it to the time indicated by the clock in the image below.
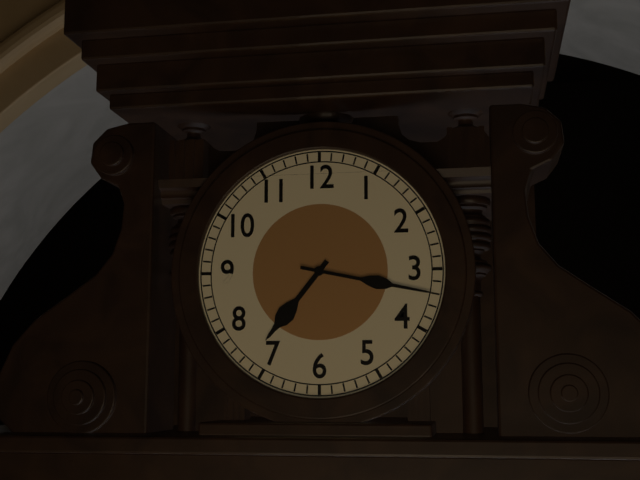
h=7 m=17
